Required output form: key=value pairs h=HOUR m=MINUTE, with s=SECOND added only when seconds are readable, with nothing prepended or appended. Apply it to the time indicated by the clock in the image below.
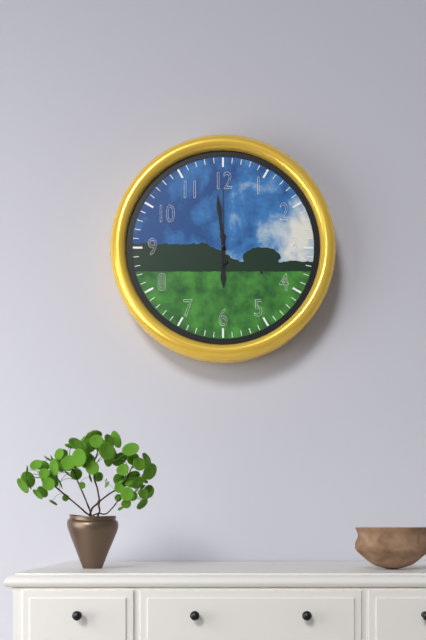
h=5 m=59 s=0
